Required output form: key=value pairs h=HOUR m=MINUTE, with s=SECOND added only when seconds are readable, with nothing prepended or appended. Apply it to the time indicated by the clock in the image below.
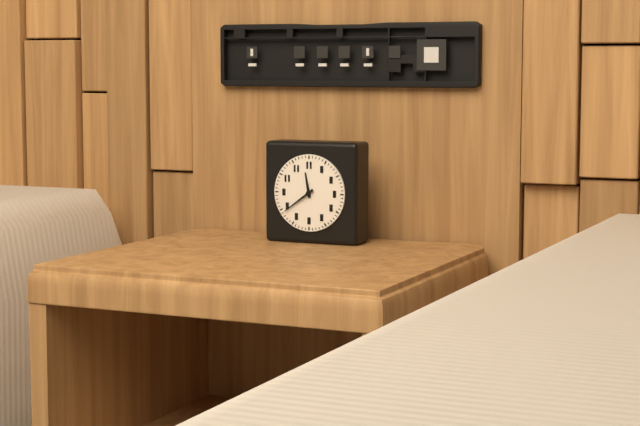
h=11 m=39
